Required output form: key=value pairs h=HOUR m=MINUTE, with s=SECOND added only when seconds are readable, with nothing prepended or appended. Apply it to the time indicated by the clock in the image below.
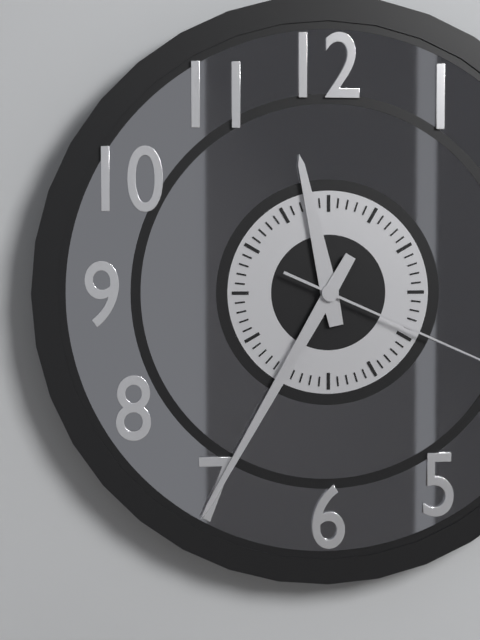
h=11 m=35
